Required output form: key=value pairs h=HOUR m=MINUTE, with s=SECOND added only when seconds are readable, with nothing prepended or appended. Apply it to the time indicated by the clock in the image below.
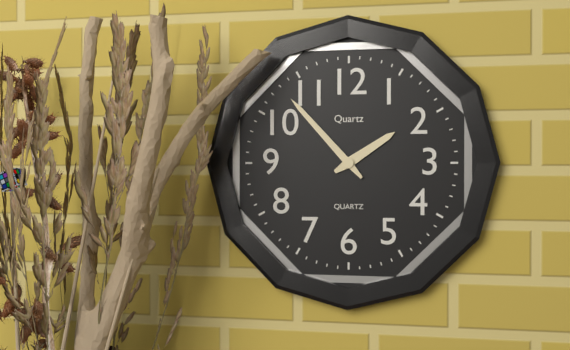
h=1 m=53
